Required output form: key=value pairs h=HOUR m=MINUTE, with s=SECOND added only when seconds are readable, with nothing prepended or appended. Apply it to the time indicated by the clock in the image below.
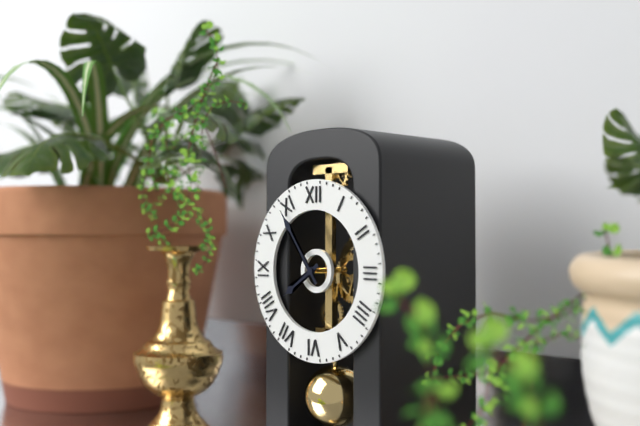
h=7 m=54
